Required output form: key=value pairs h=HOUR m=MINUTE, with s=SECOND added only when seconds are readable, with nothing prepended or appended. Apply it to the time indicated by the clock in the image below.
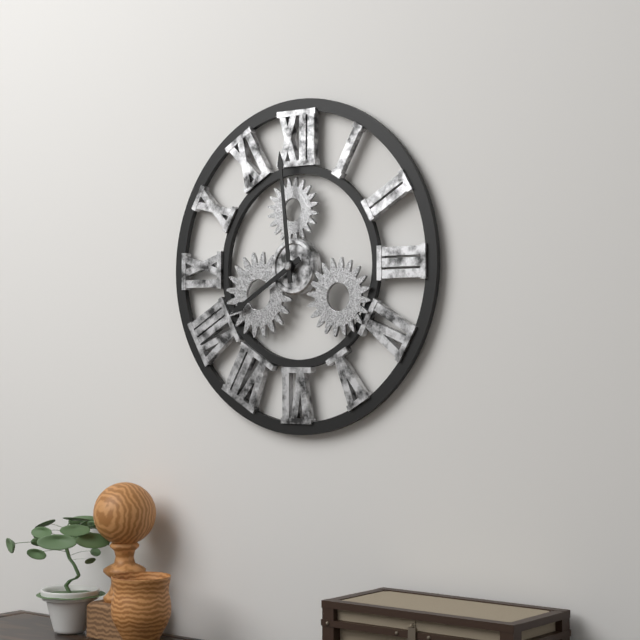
h=7 m=59
